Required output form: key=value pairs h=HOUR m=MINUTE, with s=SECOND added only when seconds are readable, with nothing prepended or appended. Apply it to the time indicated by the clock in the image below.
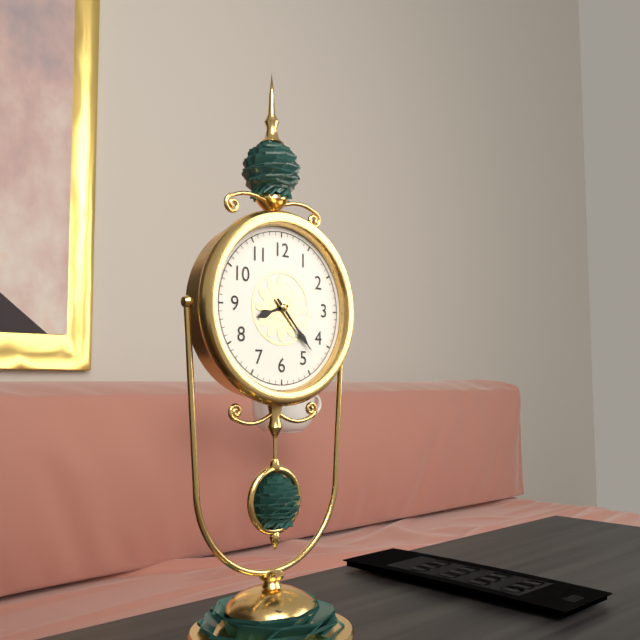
h=8 m=23
